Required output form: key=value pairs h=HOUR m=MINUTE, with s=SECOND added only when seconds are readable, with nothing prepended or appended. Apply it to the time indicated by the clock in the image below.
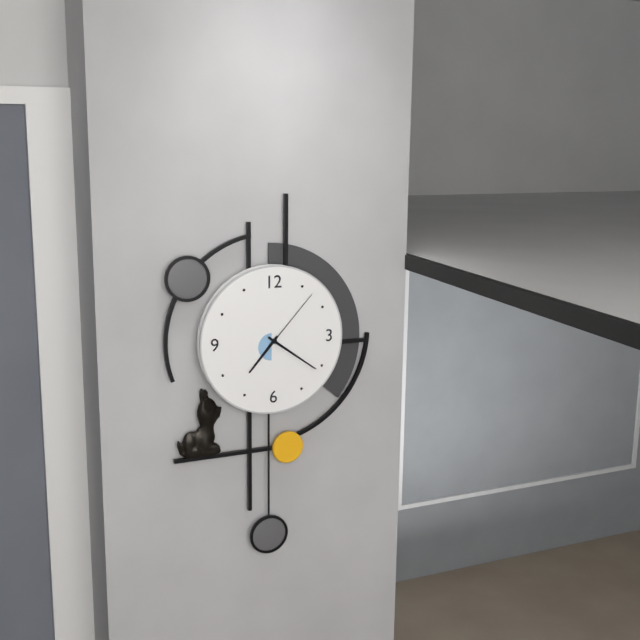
h=7 m=21 s=7
